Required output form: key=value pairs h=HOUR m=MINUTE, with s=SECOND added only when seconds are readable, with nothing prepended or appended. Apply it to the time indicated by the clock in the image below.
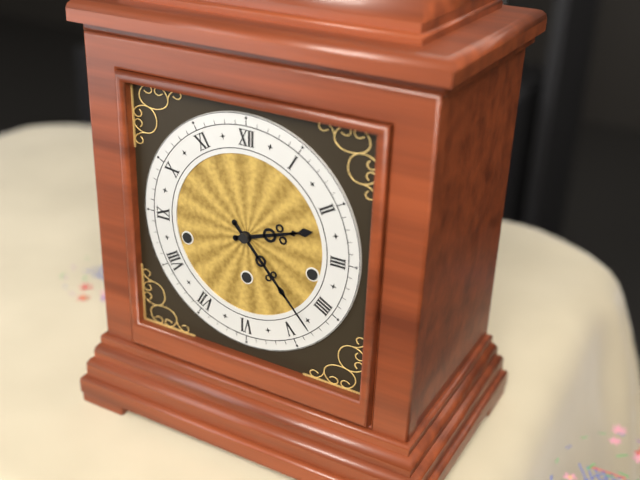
h=2 m=23
